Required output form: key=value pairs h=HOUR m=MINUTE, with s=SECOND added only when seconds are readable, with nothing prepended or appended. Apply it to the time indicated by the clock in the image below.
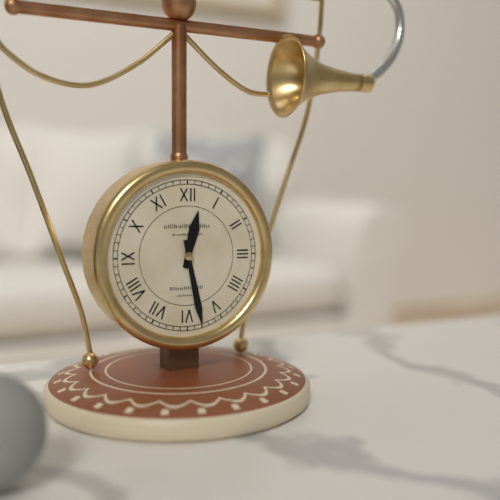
h=12 m=28
